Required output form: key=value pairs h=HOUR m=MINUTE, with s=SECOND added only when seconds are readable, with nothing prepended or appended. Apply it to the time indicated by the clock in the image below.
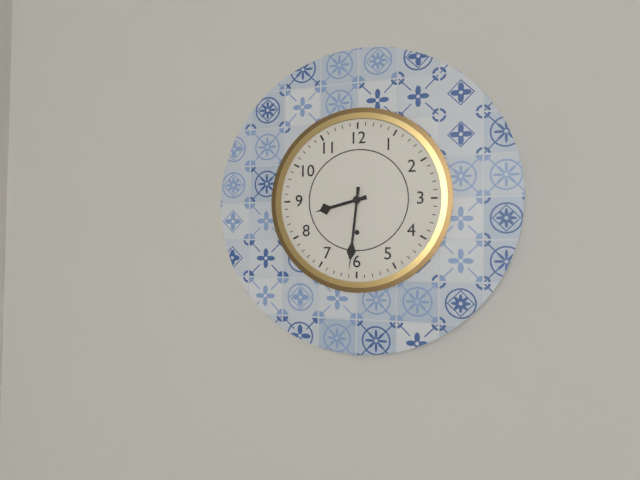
h=8 m=31
